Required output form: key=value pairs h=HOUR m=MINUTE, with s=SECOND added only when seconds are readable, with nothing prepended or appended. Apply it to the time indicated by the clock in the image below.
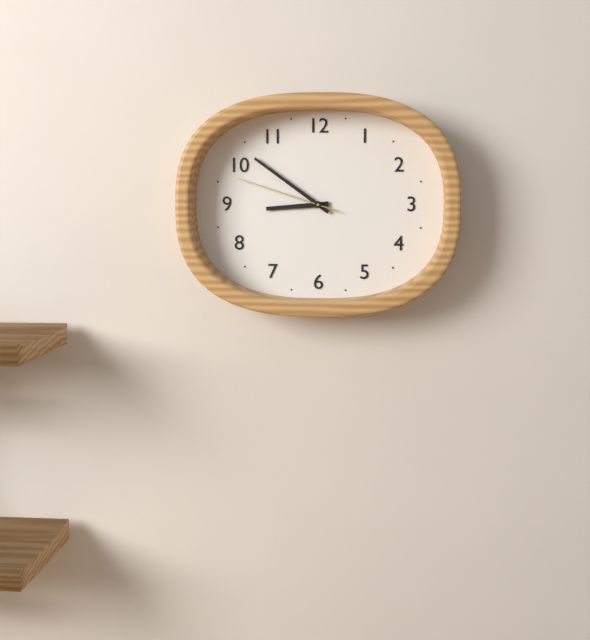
h=8 m=51 s=48
